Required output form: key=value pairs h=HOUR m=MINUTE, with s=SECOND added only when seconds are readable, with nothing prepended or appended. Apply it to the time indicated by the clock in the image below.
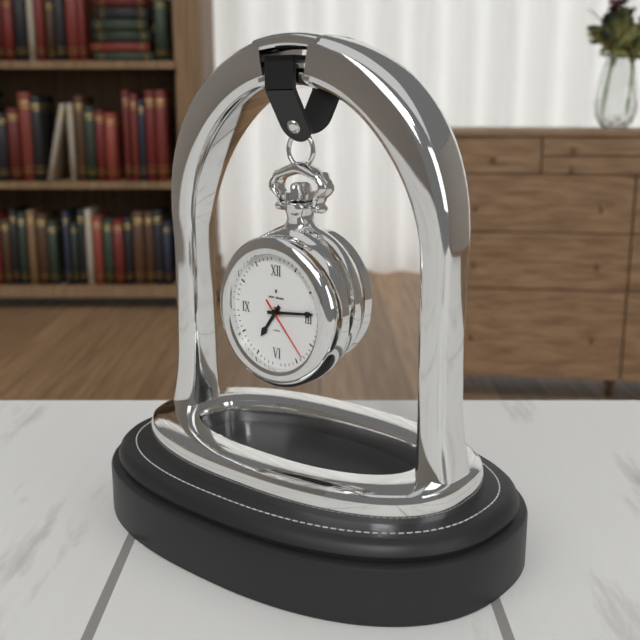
h=7 m=14 s=23
